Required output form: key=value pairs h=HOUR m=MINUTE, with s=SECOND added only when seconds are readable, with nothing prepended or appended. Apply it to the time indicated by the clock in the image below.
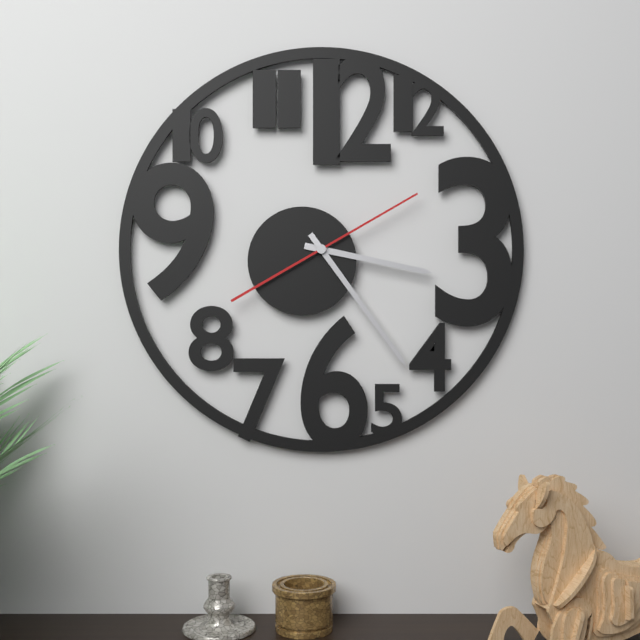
h=3 m=24 s=10
